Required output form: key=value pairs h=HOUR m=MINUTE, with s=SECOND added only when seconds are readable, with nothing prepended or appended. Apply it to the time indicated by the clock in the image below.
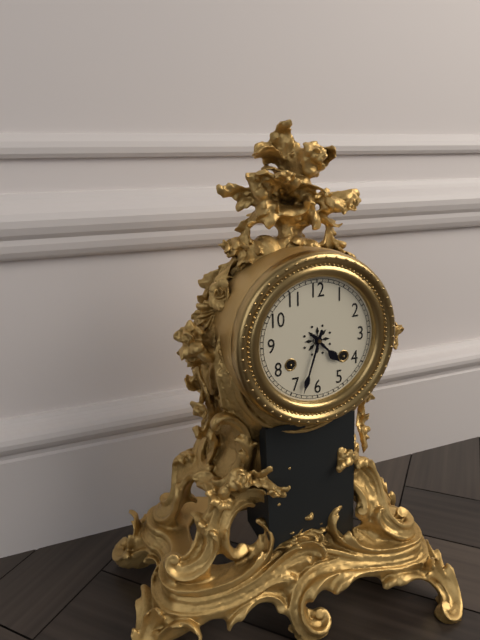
h=4 m=33
